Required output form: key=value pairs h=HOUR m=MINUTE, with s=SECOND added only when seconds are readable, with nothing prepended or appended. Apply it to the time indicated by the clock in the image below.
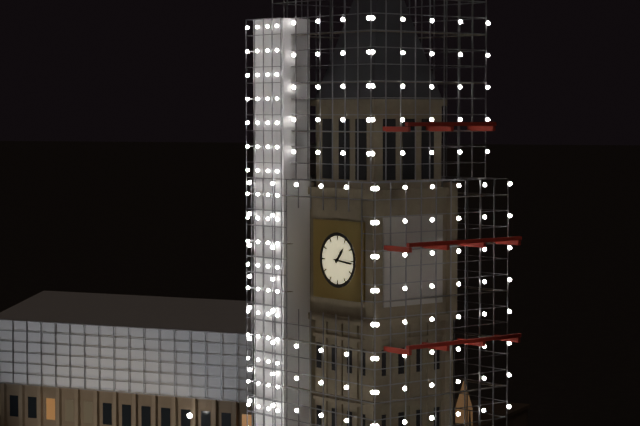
h=1 m=16
